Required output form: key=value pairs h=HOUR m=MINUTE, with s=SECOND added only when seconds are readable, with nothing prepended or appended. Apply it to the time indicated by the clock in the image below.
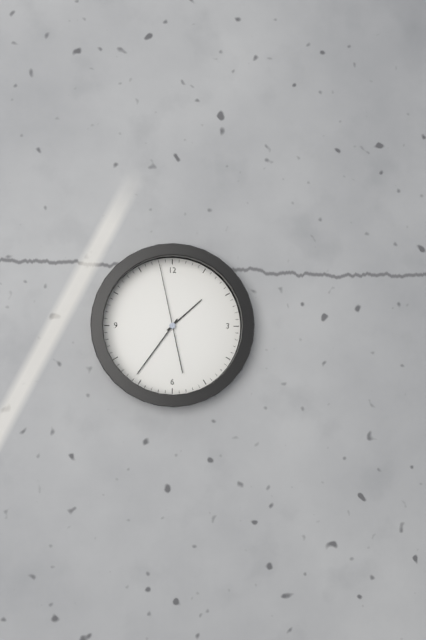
h=1 m=36 s=58
